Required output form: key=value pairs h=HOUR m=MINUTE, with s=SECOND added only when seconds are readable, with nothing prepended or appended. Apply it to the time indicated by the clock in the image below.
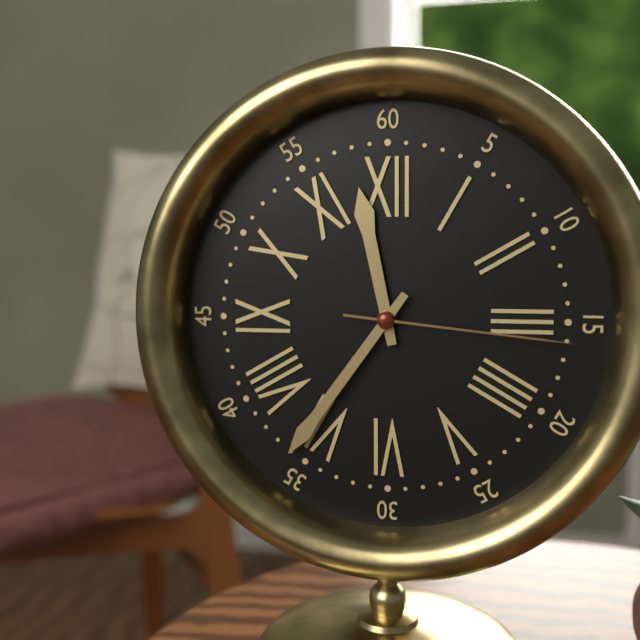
h=11 m=36 s=16
